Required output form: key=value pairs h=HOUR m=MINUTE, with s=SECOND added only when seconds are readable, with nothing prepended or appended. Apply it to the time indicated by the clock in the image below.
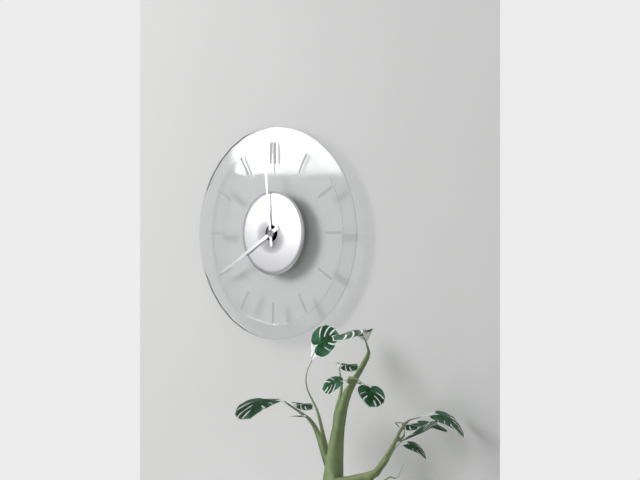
h=7 m=59
